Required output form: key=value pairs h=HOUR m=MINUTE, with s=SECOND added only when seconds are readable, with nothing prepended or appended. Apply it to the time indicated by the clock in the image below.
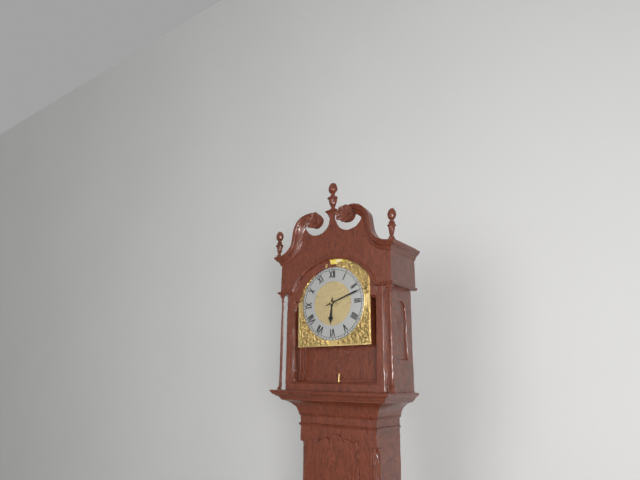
h=6 m=12
